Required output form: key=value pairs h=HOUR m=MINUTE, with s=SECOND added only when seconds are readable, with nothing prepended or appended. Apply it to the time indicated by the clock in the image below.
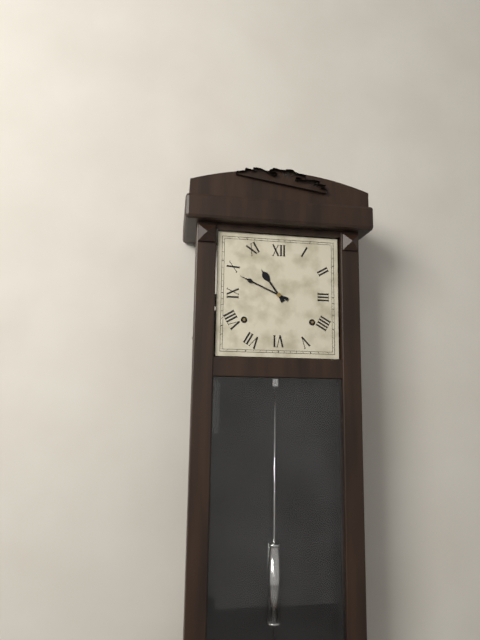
h=10 m=49
